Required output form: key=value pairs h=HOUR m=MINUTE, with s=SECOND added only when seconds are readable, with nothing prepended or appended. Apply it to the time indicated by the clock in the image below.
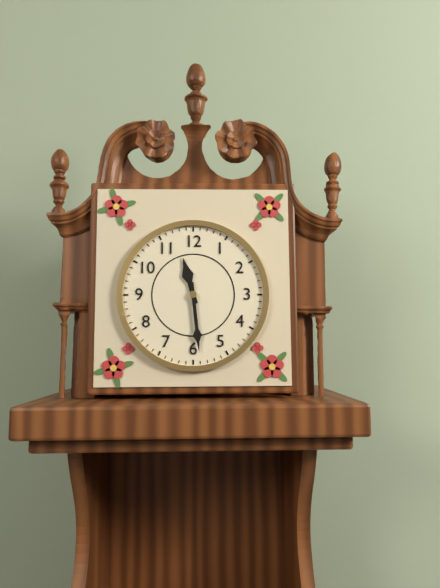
h=11 m=29
